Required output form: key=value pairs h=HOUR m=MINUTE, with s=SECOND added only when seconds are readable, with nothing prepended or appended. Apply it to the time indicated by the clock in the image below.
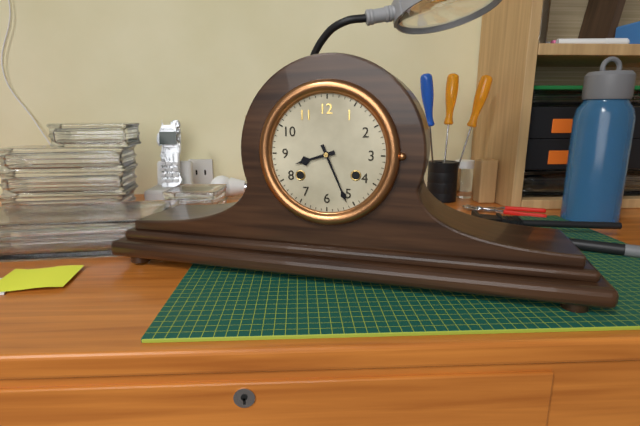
h=8 m=26
